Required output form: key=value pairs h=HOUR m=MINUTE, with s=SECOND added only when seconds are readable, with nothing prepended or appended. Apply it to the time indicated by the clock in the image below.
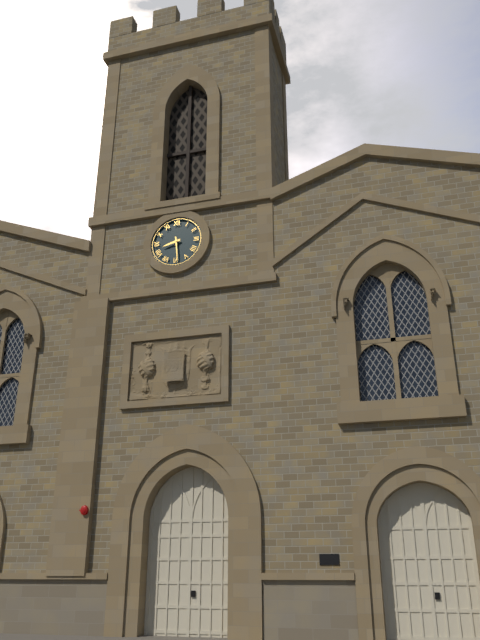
h=8 m=29
